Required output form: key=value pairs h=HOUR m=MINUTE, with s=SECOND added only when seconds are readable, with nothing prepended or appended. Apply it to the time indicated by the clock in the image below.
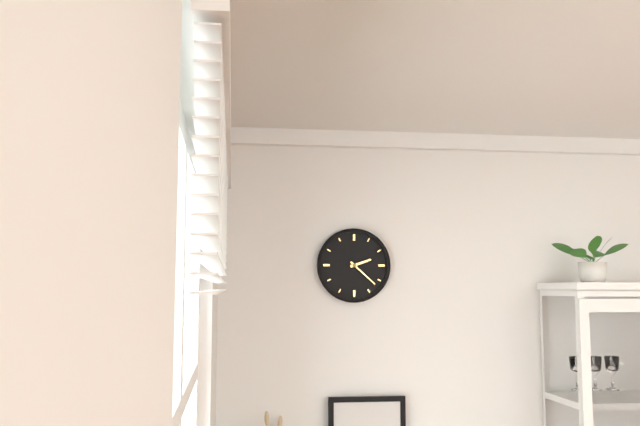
h=2 m=22
